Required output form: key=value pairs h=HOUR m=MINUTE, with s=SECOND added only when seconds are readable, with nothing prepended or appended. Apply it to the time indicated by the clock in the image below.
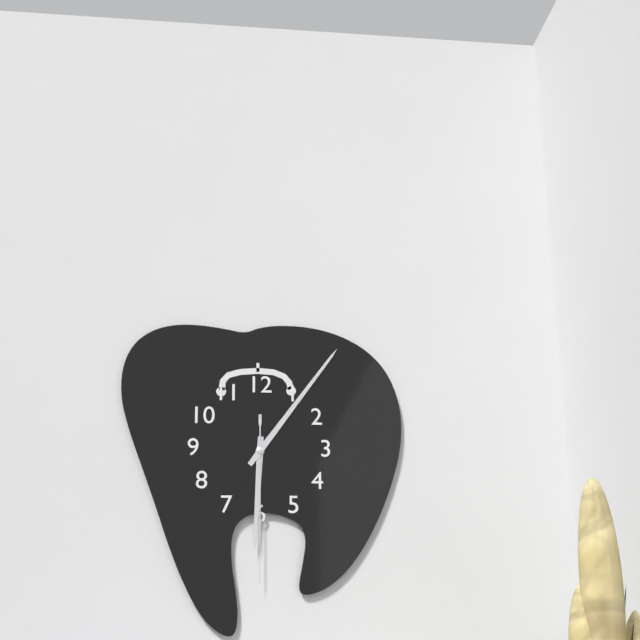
h=6 m=6 s=30
